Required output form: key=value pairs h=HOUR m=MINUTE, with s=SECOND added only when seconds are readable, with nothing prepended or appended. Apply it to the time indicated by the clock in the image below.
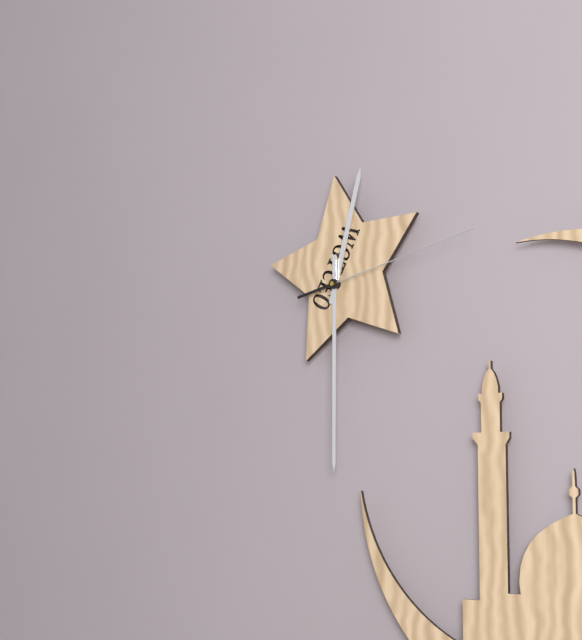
h=12 m=30 s=13
